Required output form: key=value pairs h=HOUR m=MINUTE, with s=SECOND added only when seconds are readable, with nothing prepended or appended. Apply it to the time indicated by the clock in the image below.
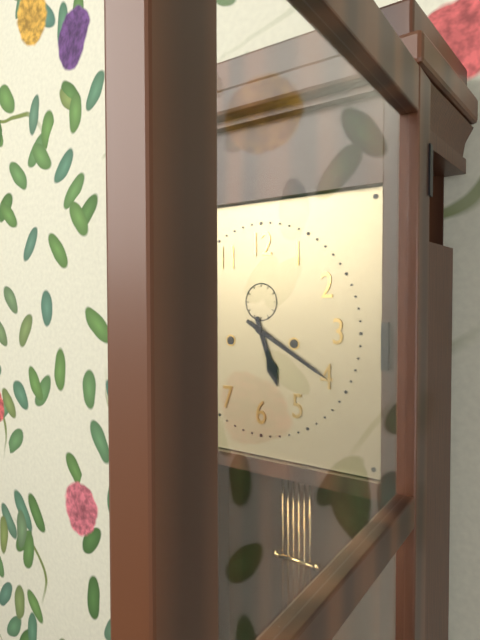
h=5 m=20
